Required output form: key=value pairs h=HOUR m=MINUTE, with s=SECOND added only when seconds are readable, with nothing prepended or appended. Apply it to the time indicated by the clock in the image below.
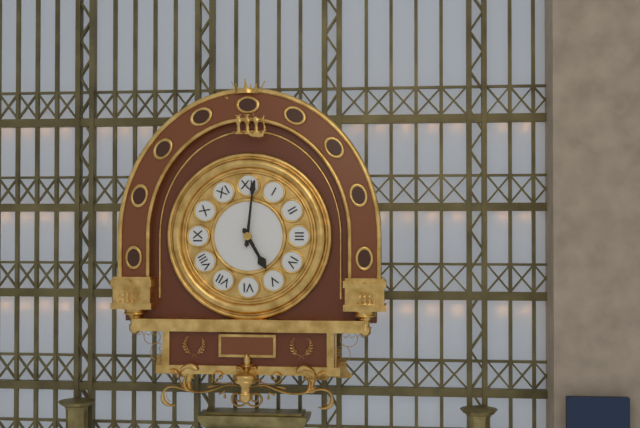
h=5 m=1
